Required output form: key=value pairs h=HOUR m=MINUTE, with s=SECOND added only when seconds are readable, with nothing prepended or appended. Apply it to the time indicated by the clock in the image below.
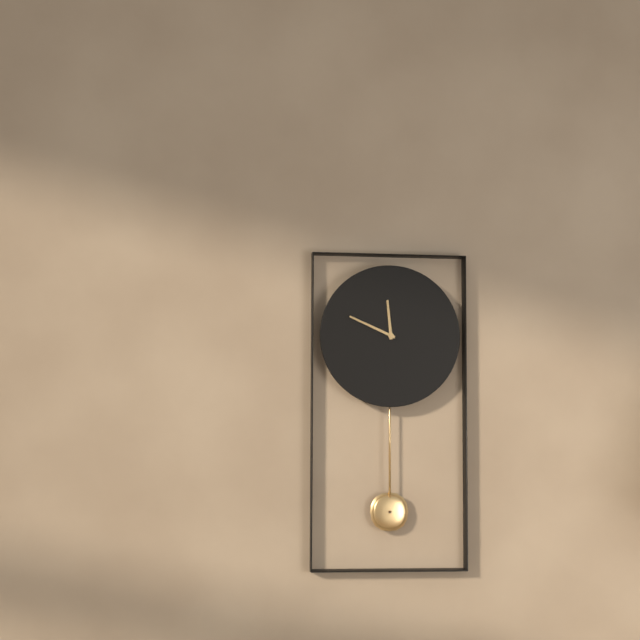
h=11 m=49
